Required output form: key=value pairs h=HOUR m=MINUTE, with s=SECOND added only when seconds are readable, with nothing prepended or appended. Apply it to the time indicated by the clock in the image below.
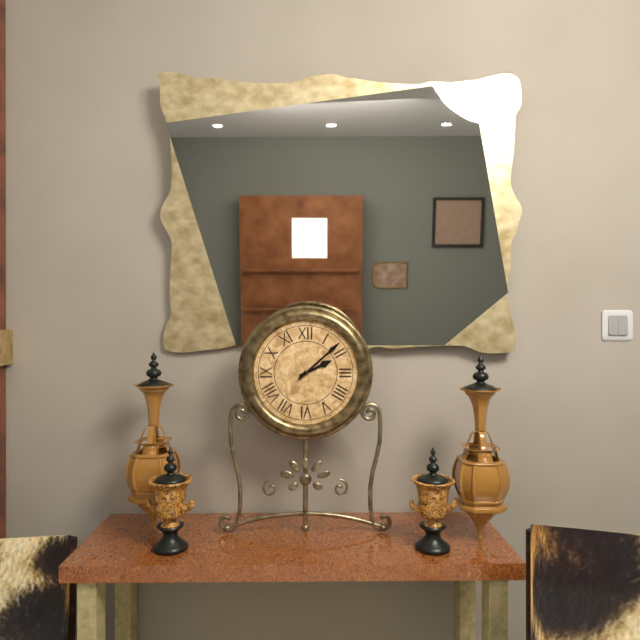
h=2 m=8
